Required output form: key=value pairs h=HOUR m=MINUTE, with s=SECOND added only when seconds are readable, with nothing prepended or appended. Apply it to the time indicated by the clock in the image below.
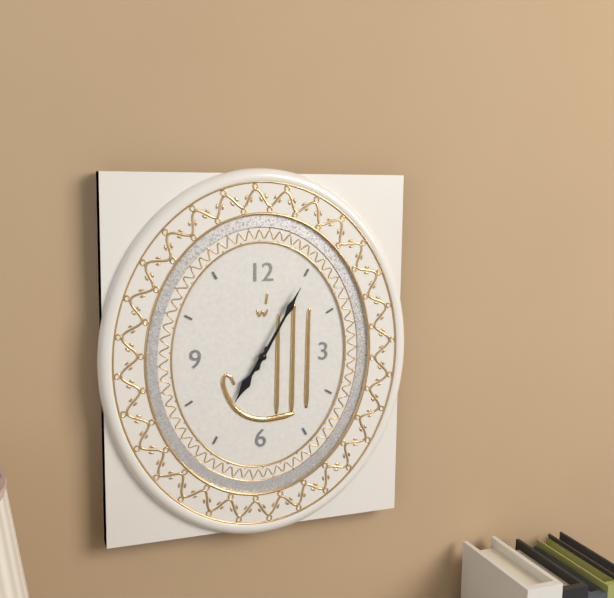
h=7 m=5
